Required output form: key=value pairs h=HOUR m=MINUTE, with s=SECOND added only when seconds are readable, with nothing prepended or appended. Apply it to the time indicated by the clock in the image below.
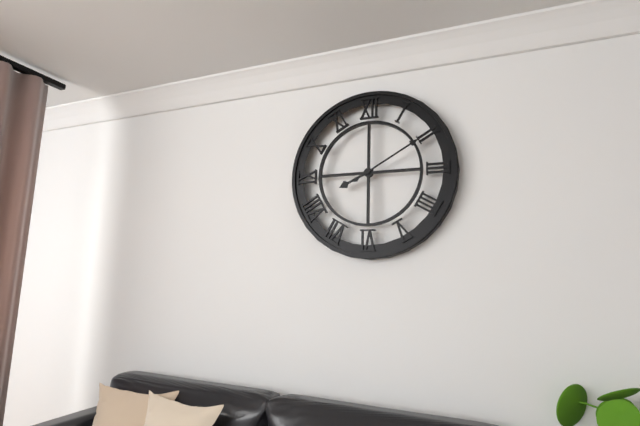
h=8 m=10
